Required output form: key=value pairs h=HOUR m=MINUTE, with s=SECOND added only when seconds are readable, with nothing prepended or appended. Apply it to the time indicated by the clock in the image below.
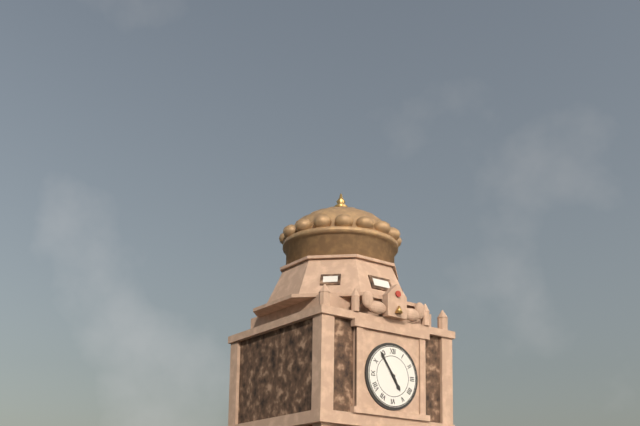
h=4 m=54
